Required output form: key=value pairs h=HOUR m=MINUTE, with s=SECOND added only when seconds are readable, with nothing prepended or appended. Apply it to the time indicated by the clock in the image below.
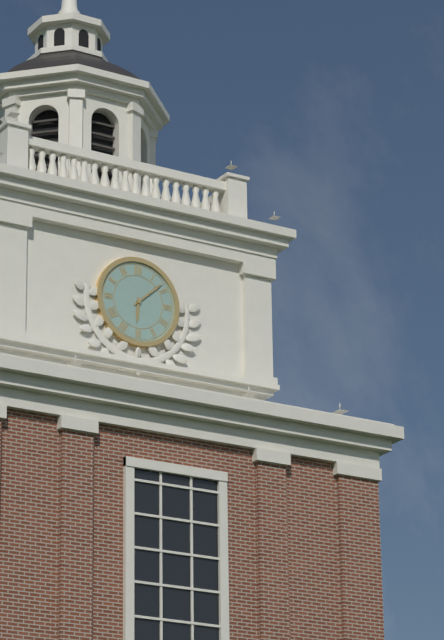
h=6 m=8
